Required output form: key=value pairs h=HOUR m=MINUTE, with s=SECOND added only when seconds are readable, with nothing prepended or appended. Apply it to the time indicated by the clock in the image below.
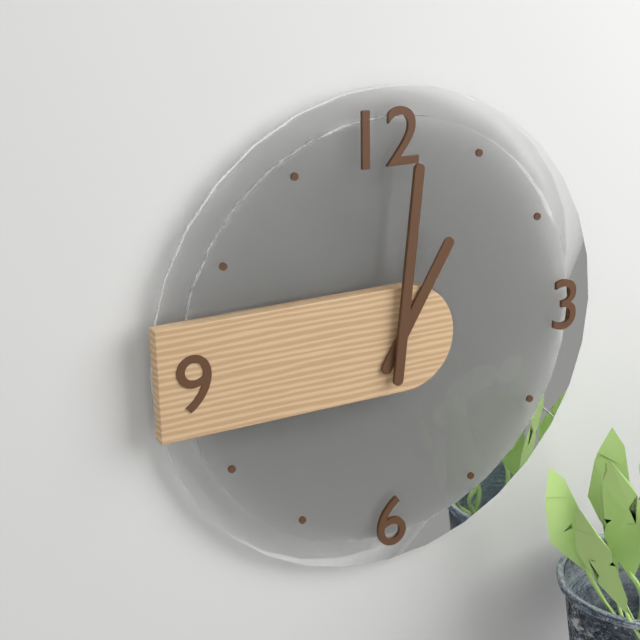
h=1 m=1
